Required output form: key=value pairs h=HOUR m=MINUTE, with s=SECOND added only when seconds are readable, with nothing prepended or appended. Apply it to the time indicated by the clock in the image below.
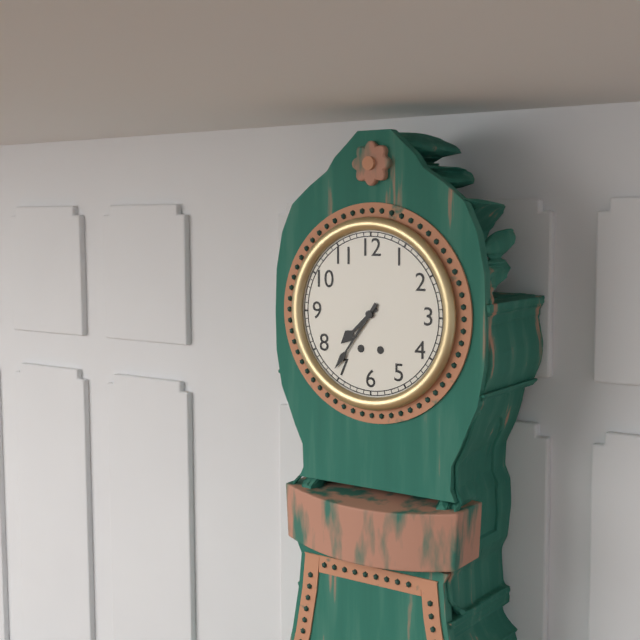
h=7 m=36
